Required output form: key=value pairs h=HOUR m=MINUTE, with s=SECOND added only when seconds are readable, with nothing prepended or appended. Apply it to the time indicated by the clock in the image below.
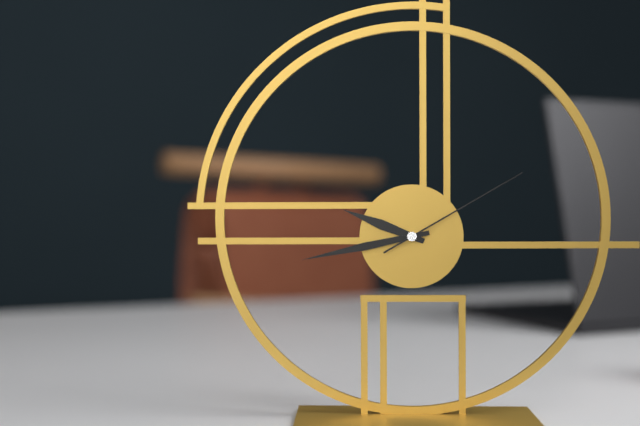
h=9 m=43 s=10
